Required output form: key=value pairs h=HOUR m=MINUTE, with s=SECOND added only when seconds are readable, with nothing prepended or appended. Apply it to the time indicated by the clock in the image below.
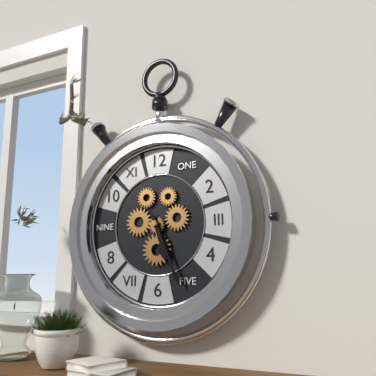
h=5 m=26
